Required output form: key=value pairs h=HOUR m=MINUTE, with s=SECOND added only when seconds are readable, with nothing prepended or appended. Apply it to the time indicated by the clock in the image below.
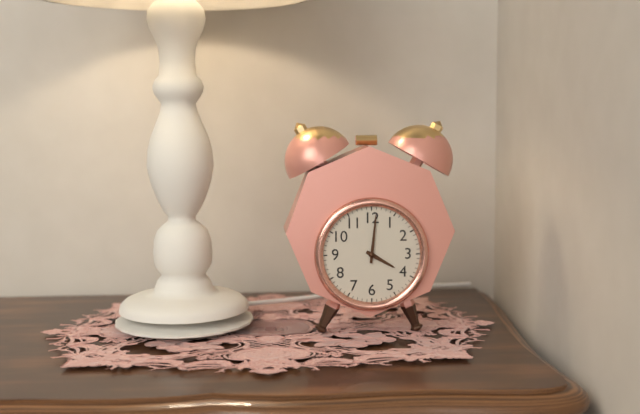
h=4 m=1
